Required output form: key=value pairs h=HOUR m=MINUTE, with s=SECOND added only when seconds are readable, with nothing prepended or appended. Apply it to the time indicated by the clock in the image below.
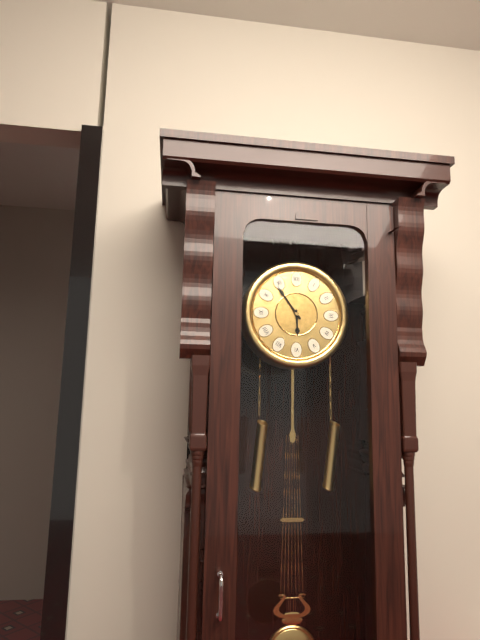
h=5 m=54
